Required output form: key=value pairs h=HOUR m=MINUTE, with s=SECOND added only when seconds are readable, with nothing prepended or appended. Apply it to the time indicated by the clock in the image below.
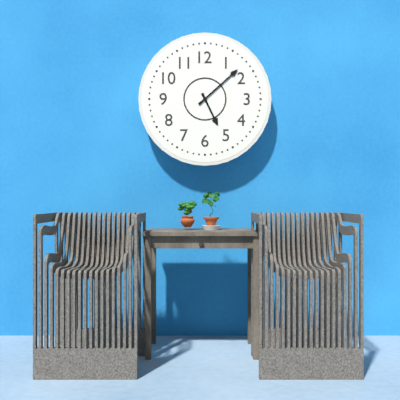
h=5 m=8
